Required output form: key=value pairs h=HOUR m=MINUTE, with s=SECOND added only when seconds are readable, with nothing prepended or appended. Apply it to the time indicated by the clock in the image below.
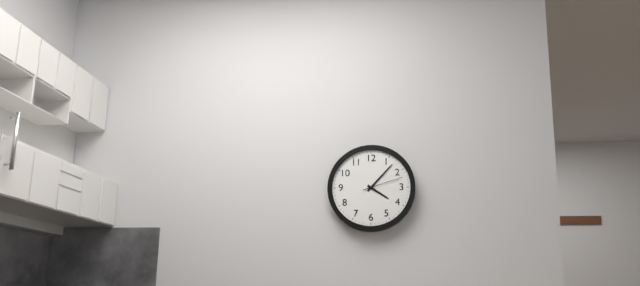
h=4 m=7
